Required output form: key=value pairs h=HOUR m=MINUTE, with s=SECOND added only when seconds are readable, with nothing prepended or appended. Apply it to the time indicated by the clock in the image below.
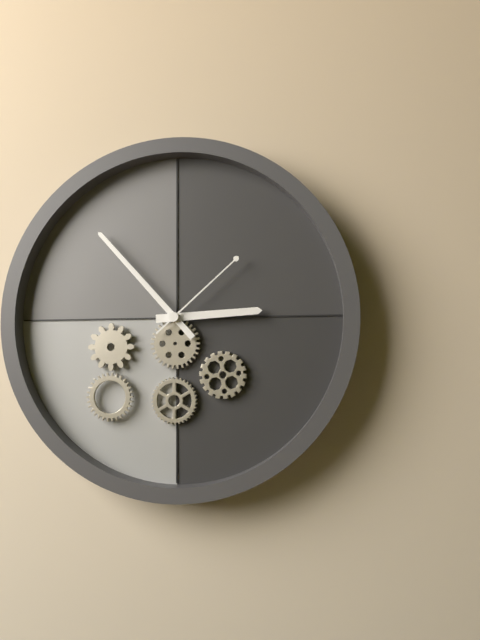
h=2 m=53 s=8
